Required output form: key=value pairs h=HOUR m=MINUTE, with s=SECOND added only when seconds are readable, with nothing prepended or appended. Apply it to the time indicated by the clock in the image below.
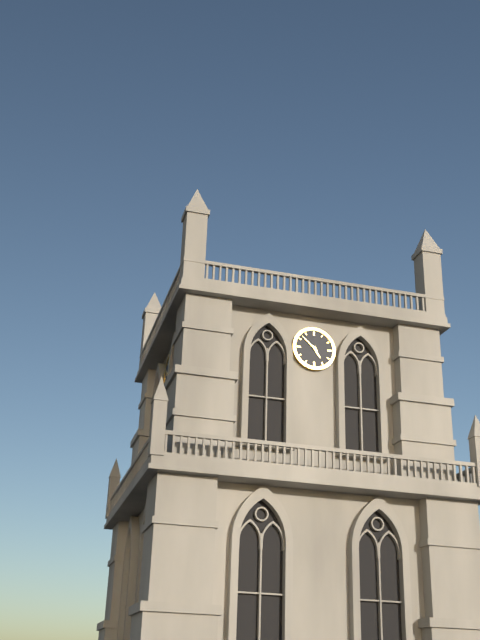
h=4 m=52
